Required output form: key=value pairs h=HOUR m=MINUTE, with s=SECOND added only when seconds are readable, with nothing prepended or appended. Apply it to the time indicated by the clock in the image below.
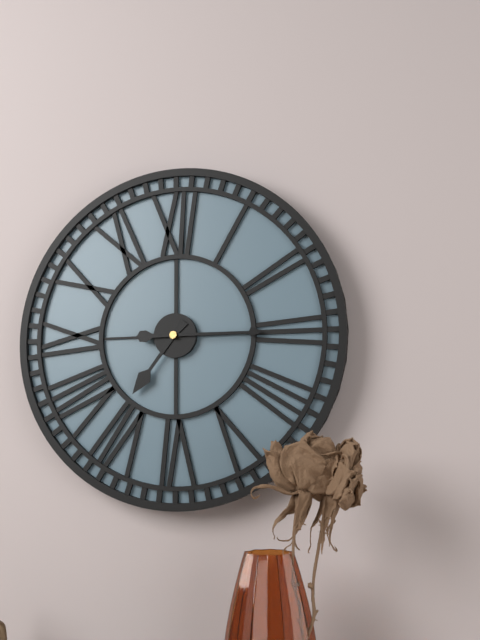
h=7 m=15
